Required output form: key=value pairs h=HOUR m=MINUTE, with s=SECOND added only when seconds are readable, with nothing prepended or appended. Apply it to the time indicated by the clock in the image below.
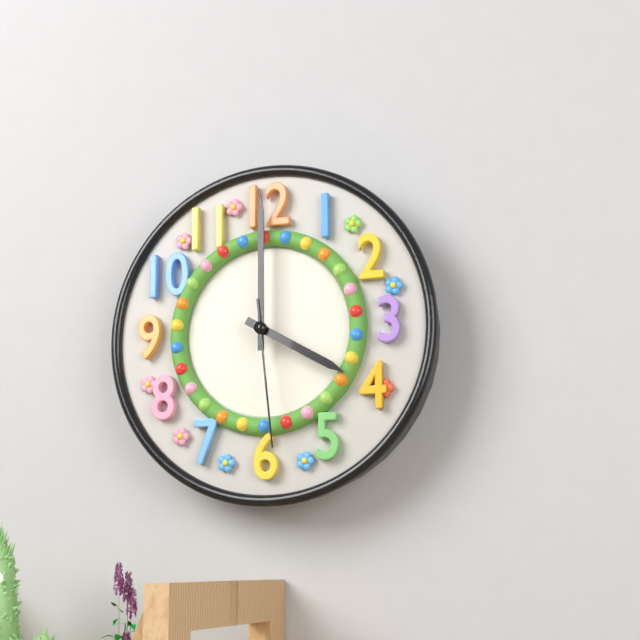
h=4 m=0 s=29
